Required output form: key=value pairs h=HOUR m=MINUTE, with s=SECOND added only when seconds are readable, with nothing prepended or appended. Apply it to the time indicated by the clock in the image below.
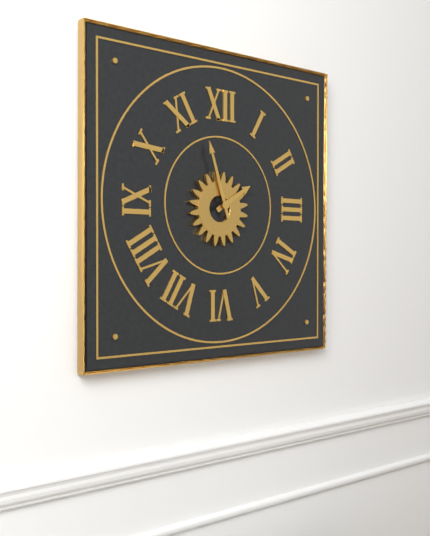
h=1 m=57
